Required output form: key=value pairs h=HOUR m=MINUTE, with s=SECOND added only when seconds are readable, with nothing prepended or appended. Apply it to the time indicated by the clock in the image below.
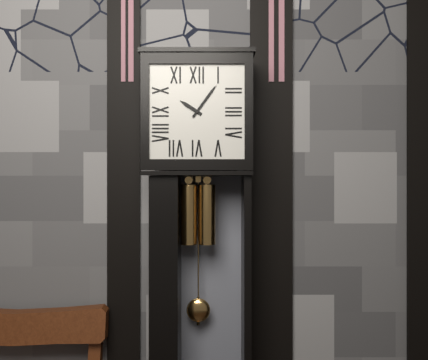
h=10 m=6
